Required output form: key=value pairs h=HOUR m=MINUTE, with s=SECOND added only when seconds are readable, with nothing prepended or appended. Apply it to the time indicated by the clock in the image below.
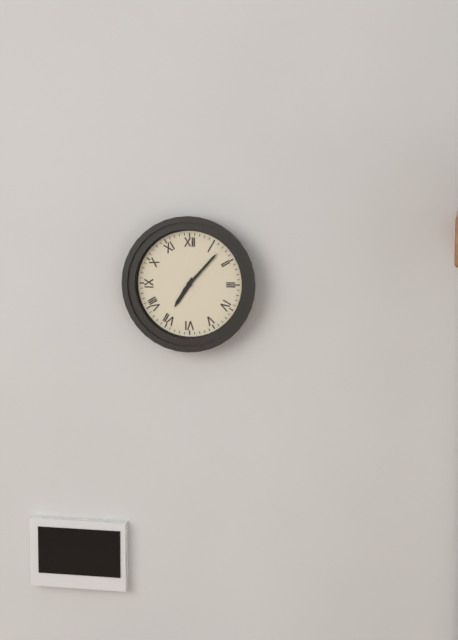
h=7 m=7
